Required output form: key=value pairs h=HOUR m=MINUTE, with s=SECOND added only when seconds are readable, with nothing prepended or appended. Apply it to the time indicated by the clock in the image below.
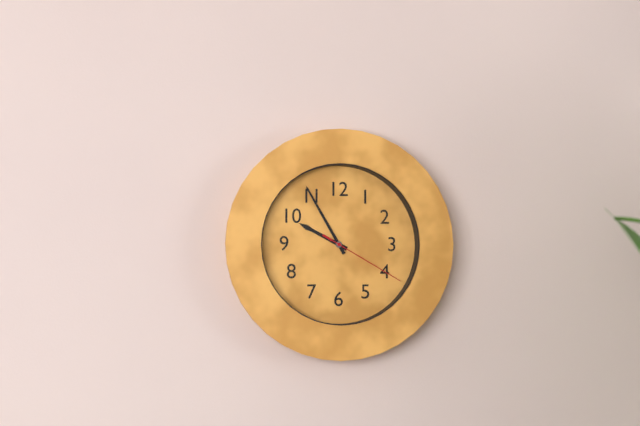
h=9 m=55 s=20
